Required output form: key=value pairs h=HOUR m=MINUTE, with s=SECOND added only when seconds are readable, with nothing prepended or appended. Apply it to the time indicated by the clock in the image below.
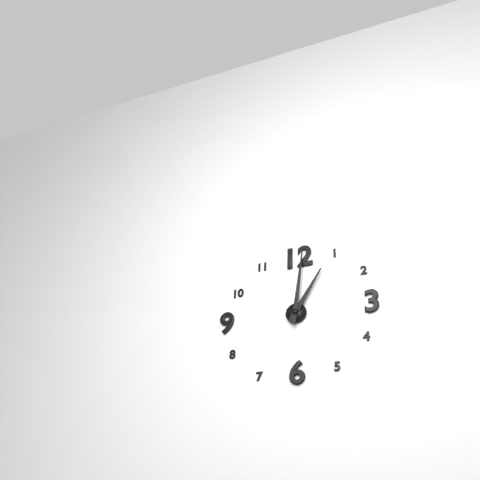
h=1 m=1
